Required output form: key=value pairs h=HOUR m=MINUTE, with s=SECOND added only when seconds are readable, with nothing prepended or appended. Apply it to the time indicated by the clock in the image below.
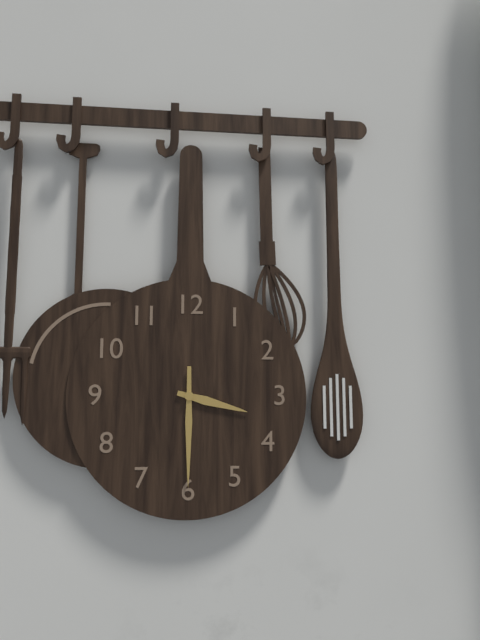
h=3 m=30
